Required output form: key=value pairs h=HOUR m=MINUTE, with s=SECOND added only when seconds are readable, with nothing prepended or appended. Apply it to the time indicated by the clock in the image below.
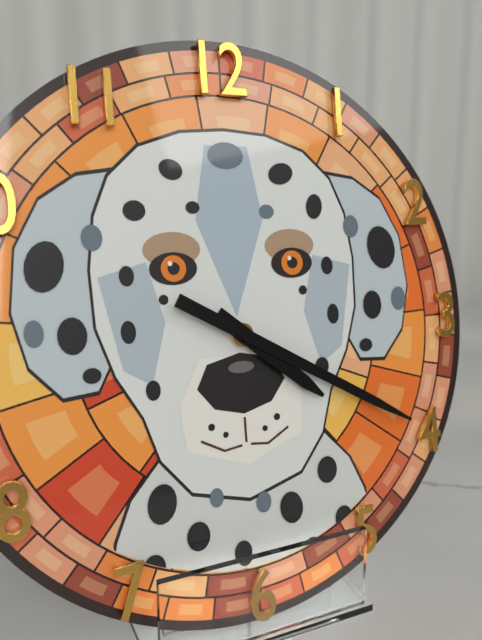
h=4 m=20
